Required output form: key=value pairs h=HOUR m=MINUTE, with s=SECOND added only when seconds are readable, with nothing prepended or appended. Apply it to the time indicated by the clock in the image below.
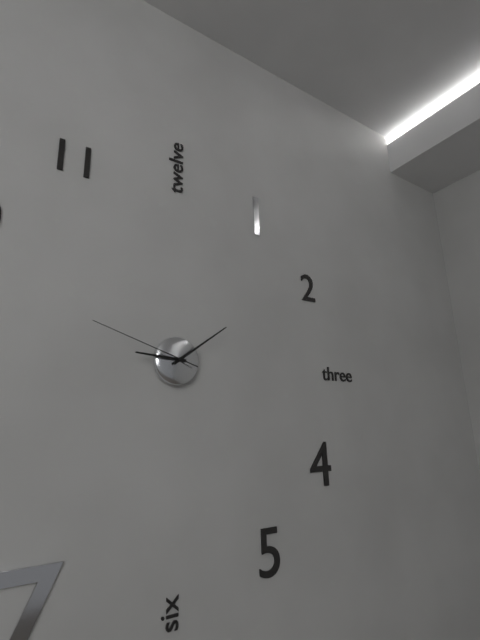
h=9 m=9 s=48
